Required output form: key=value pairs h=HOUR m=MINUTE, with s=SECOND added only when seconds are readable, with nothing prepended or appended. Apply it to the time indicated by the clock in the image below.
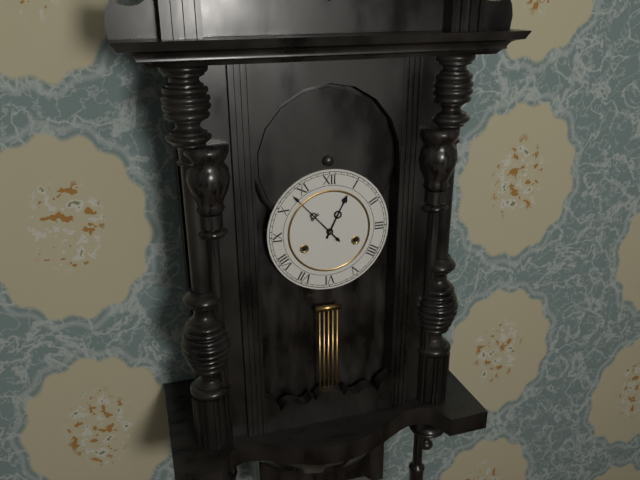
h=12 m=53
